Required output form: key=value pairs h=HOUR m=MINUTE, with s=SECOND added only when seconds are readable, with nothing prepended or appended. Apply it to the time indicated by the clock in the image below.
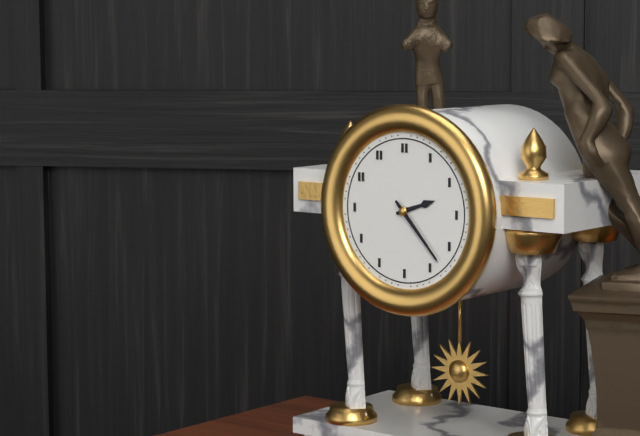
h=2 m=23
